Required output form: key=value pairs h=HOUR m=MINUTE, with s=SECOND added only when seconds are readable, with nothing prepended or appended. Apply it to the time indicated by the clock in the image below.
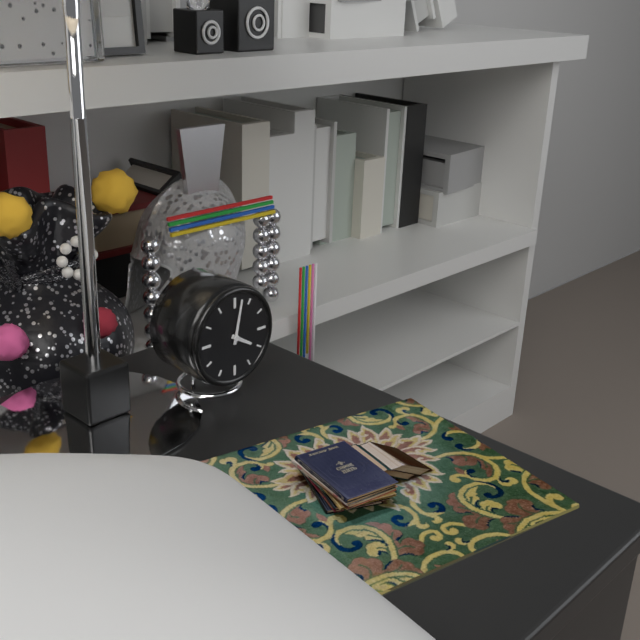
h=4 m=2
